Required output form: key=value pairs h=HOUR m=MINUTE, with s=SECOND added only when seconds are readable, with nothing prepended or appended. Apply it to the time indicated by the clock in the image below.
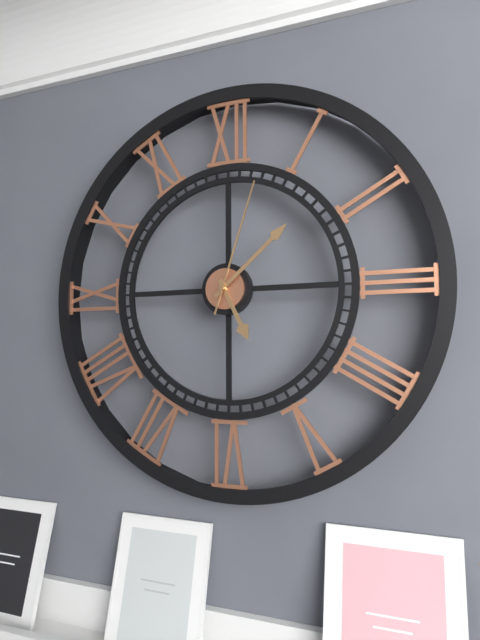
h=5 m=8 s=3
